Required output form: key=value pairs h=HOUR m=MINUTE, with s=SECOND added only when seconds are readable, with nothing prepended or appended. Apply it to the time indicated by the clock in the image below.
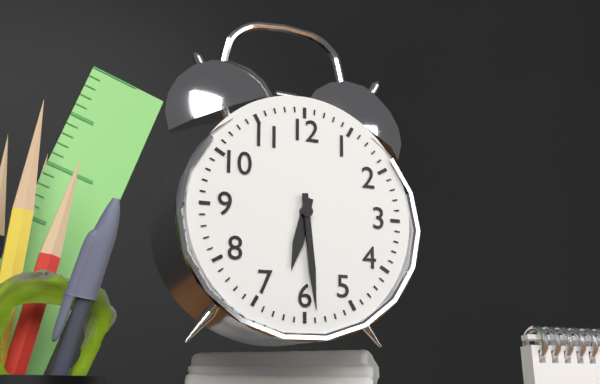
h=6 m=29
